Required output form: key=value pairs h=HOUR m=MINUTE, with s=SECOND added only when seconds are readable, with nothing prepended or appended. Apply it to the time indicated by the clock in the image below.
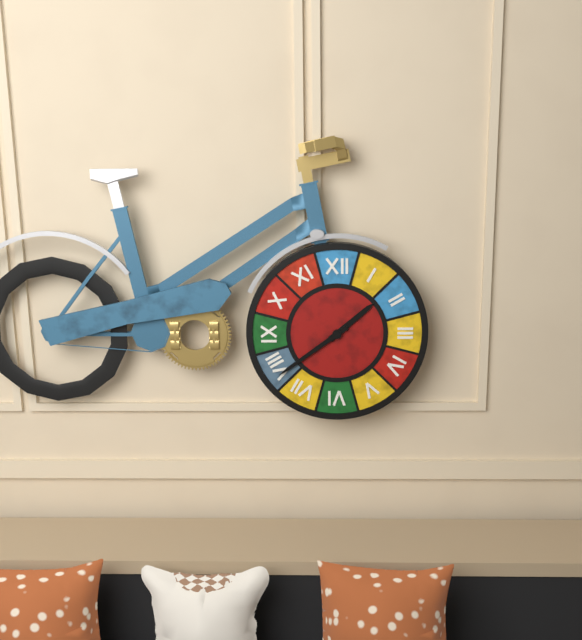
h=1 m=39
